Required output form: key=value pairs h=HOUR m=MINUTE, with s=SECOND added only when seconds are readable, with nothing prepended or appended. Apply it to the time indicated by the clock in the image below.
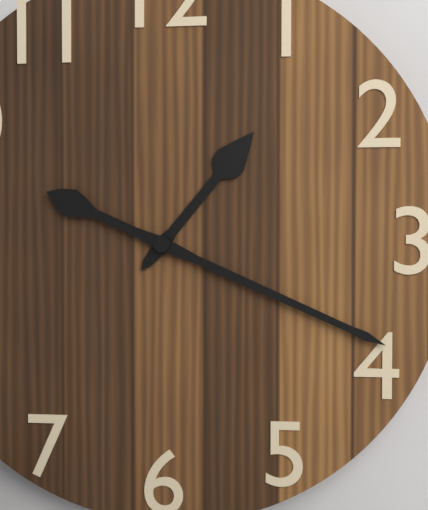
h=1 m=19
